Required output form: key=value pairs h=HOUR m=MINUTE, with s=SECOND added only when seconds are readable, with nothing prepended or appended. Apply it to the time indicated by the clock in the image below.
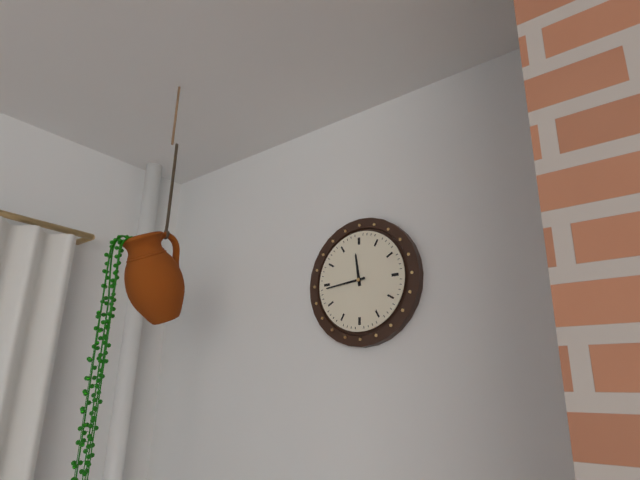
h=11 m=44
